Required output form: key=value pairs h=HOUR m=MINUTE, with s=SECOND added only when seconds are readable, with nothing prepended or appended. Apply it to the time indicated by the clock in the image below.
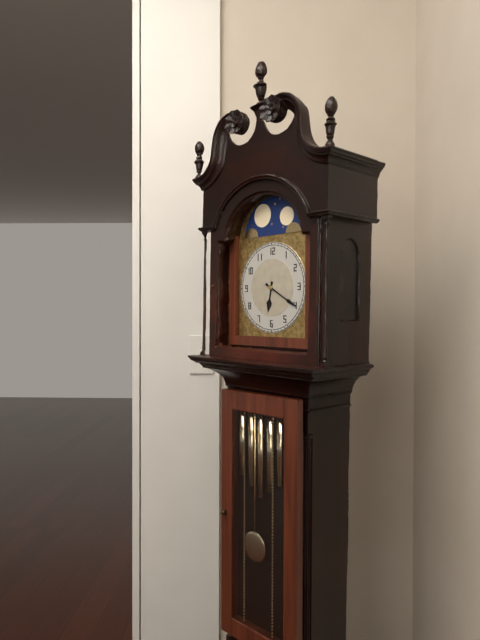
h=6 m=20
